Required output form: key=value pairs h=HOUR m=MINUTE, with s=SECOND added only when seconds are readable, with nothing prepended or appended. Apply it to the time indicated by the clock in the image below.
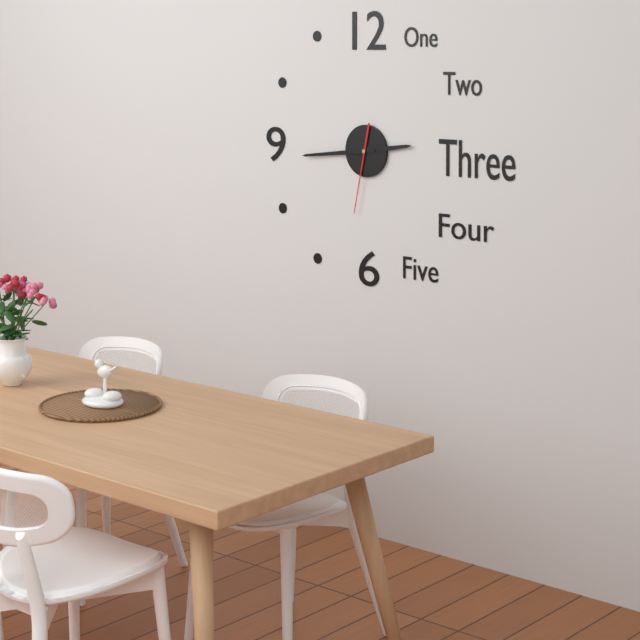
h=2 m=44 s=32
